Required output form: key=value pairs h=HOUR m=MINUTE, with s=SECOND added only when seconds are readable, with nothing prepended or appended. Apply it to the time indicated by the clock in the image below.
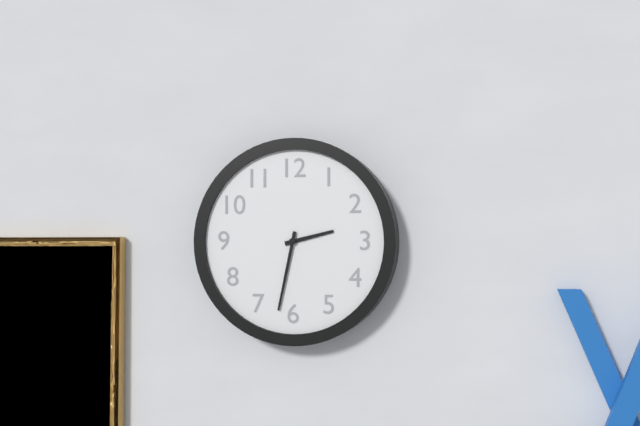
h=2 m=32
